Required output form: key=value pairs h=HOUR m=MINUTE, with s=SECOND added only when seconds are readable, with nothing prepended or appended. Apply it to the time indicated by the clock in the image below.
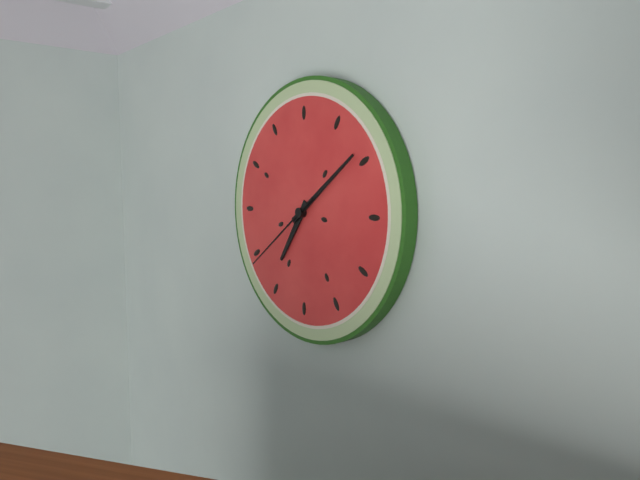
h=7 m=9 s=39
